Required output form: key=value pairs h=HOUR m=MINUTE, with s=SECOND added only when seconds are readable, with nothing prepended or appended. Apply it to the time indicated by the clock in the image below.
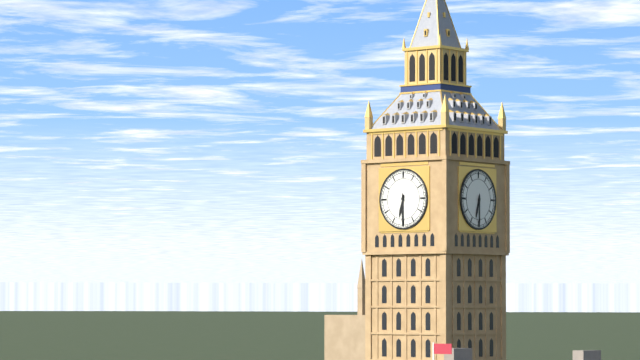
h=6 m=30
